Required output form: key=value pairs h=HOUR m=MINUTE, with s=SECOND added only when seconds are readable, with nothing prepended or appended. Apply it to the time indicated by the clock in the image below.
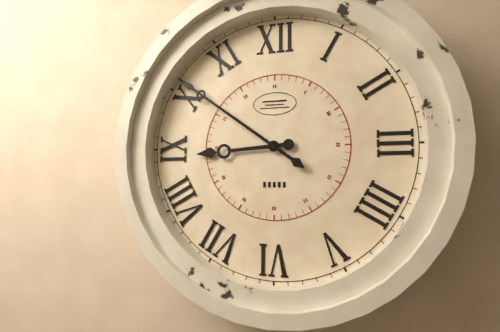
h=8 m=51
